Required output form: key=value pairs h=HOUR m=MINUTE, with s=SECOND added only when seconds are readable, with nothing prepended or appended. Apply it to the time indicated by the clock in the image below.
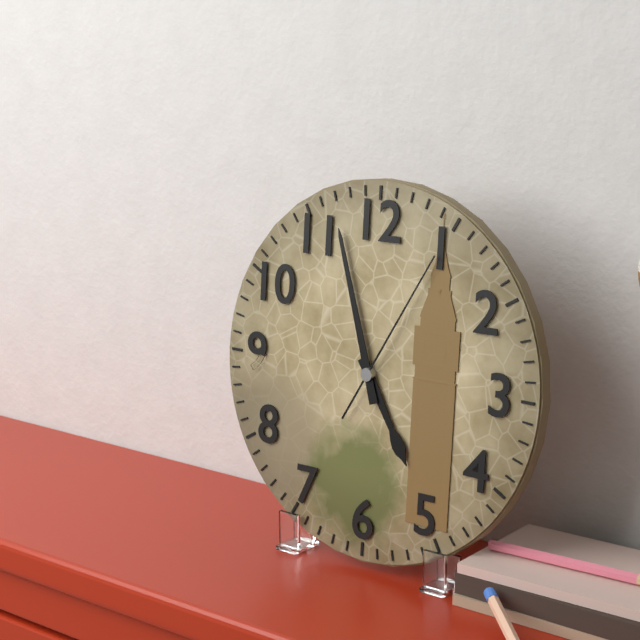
h=4 m=57 s=5
